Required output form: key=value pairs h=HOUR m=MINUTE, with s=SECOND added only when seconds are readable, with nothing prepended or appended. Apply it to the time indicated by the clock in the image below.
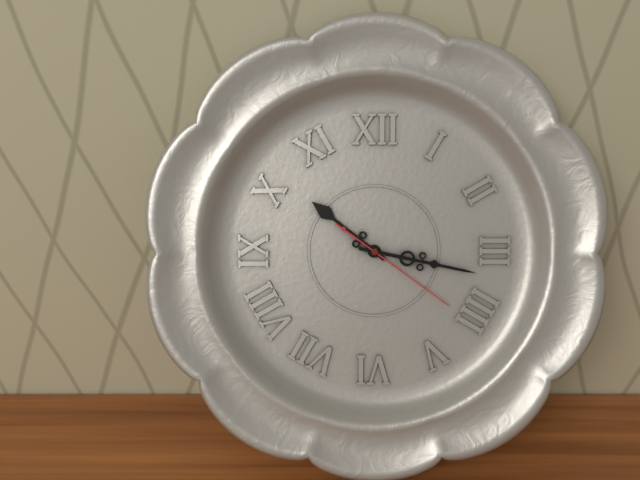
h=10 m=17 s=21
